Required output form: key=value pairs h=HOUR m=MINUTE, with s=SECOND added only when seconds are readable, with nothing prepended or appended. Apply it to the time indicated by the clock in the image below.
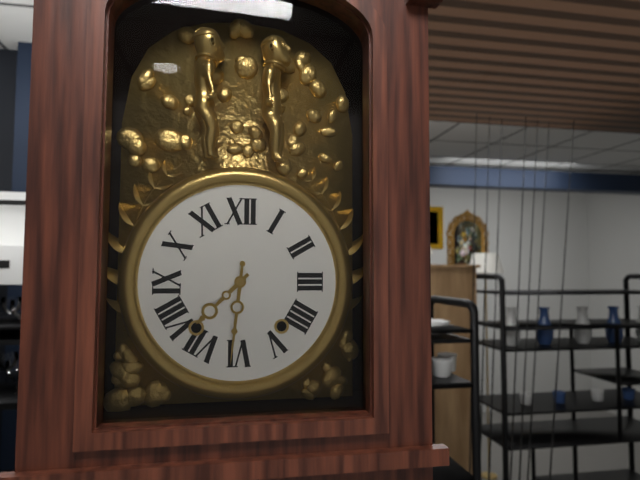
h=7 m=31
